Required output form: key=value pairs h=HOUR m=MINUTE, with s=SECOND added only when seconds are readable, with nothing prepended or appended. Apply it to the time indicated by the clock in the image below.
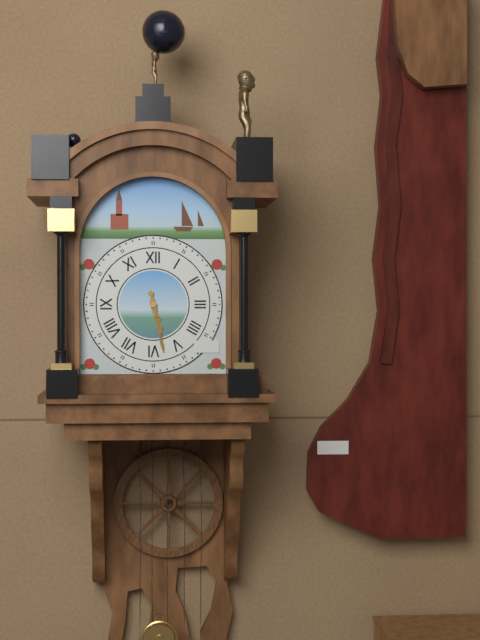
h=5 m=28
